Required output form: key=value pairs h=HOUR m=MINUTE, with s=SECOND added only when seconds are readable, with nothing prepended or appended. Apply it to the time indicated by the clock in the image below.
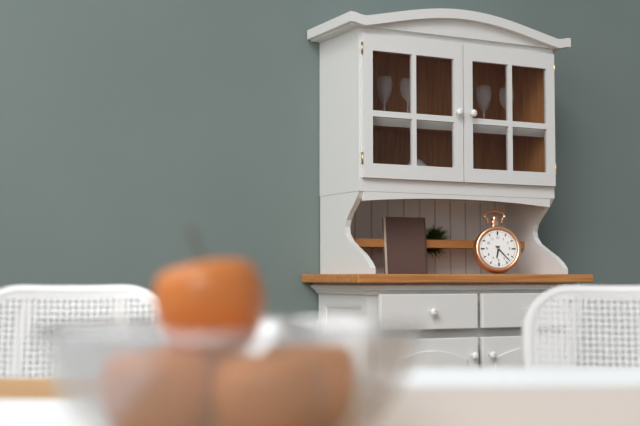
h=6 m=23
